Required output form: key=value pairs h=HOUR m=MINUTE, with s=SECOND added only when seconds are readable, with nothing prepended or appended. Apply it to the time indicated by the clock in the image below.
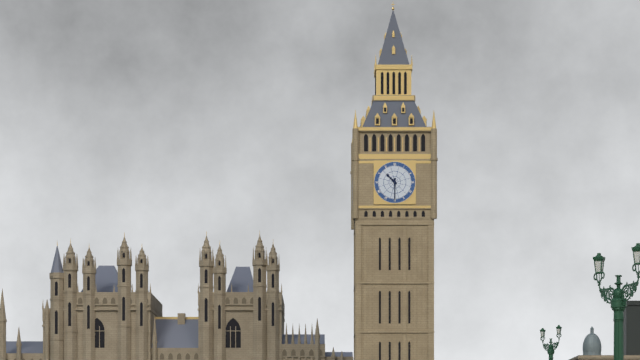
h=10 m=30
